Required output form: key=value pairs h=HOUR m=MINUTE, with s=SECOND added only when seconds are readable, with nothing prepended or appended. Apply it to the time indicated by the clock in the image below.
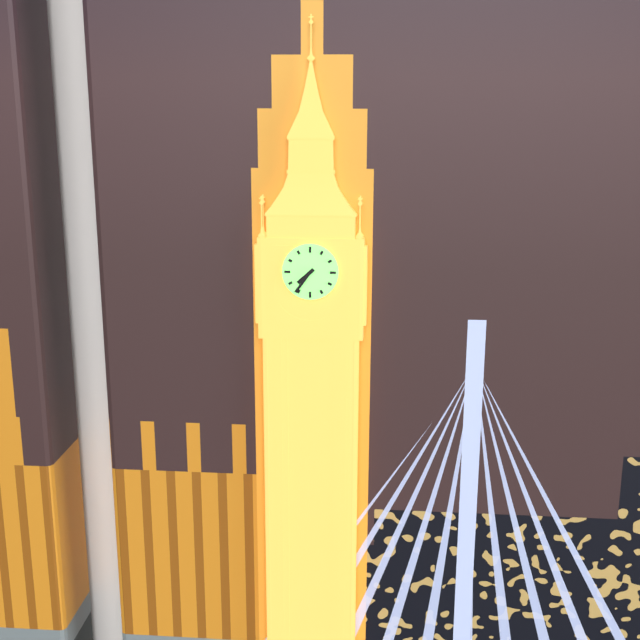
h=7 m=36
